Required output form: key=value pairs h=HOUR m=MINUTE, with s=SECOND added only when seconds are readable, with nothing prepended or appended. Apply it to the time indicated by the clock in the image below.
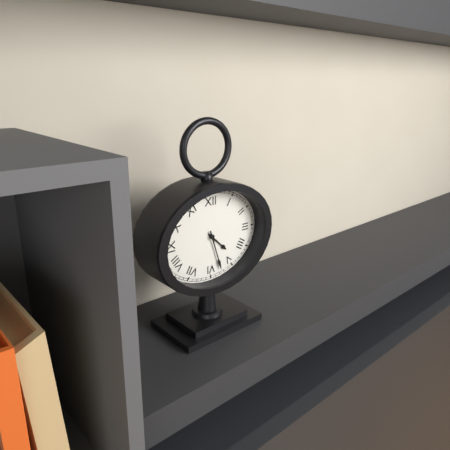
h=4 m=27
